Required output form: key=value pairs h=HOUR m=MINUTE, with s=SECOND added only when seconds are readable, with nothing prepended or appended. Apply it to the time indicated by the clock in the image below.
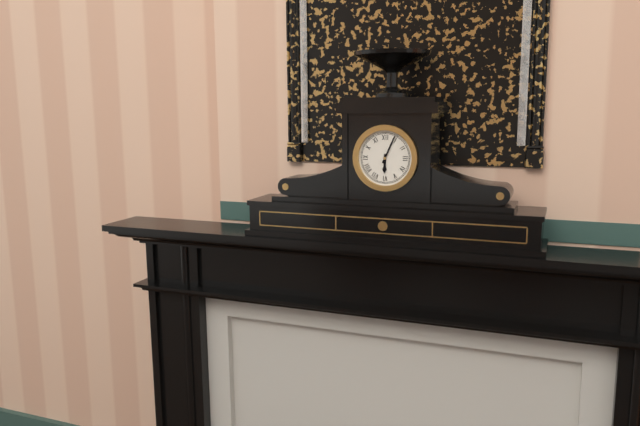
h=6 m=4
